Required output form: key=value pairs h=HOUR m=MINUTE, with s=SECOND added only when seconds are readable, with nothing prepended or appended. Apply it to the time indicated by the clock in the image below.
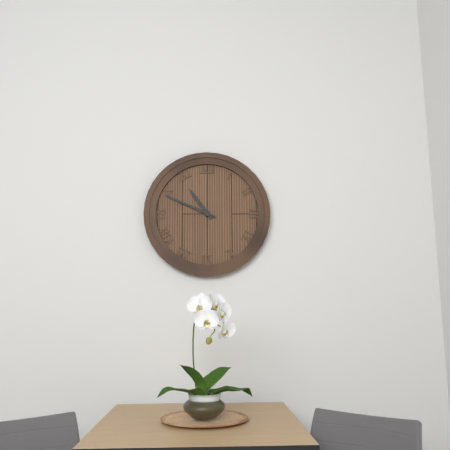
h=10 m=49
